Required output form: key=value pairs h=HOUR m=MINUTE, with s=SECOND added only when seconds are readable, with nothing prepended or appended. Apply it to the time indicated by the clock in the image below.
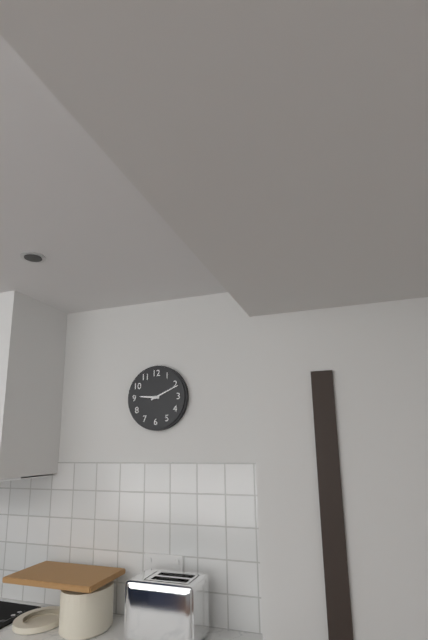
h=9 m=11
